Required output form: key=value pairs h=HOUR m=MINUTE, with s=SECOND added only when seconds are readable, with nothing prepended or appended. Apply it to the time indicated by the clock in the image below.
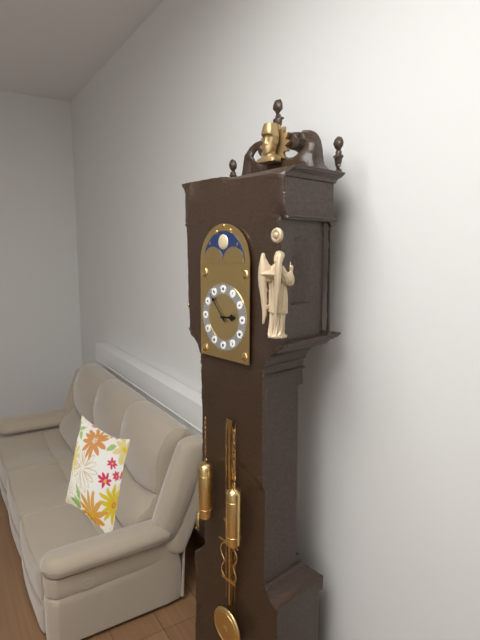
h=2 m=53
